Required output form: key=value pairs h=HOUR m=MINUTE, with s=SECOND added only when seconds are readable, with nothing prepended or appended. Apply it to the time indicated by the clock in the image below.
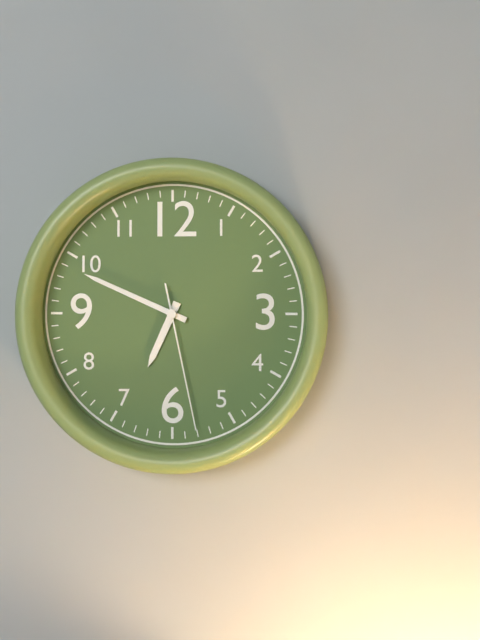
h=6 m=49 s=28
